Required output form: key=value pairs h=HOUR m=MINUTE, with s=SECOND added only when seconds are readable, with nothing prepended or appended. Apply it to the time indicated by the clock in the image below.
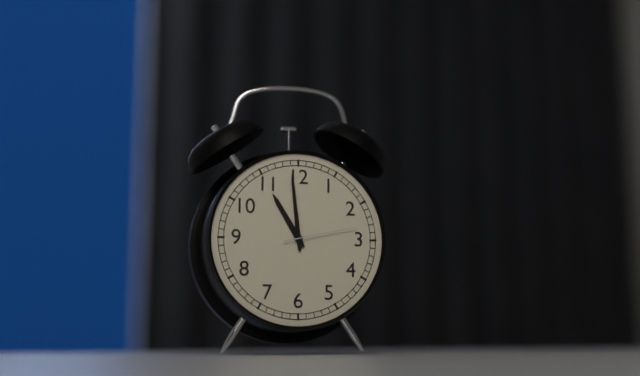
h=10 m=59 s=13
